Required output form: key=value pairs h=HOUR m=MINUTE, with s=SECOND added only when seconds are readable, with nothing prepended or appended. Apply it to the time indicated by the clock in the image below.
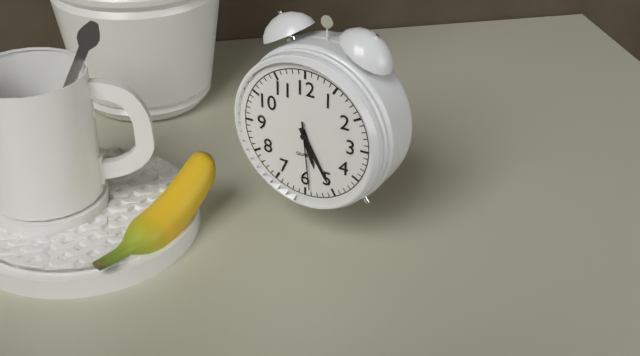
h=5 m=25 s=29
